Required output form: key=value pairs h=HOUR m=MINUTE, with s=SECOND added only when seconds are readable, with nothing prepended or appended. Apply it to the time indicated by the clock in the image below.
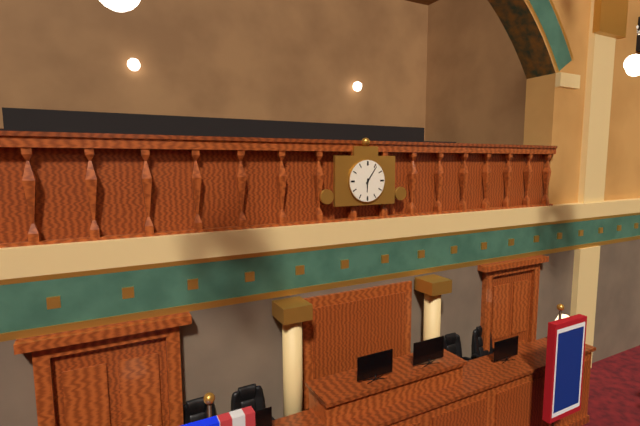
h=6 m=6
